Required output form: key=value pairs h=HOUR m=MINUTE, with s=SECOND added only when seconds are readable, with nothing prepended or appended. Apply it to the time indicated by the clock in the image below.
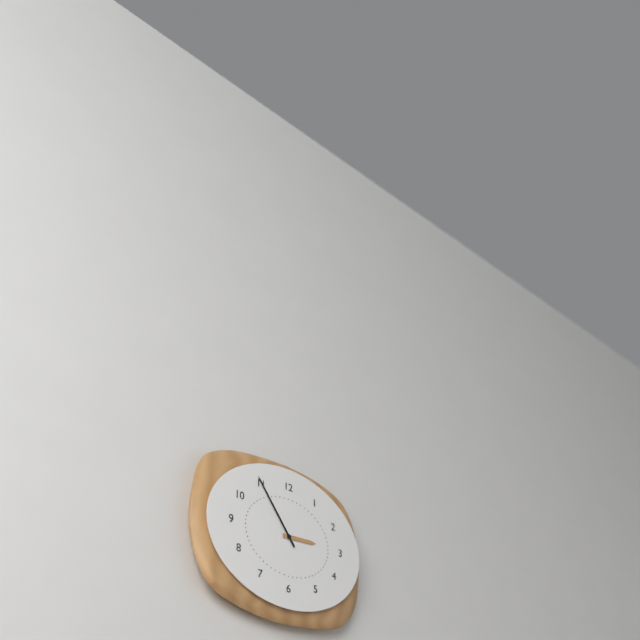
h=2 m=54
